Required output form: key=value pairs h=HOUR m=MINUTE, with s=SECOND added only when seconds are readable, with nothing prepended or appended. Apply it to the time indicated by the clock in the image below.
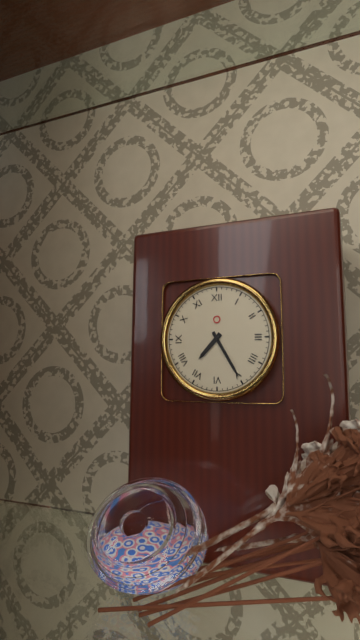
h=7 m=25
